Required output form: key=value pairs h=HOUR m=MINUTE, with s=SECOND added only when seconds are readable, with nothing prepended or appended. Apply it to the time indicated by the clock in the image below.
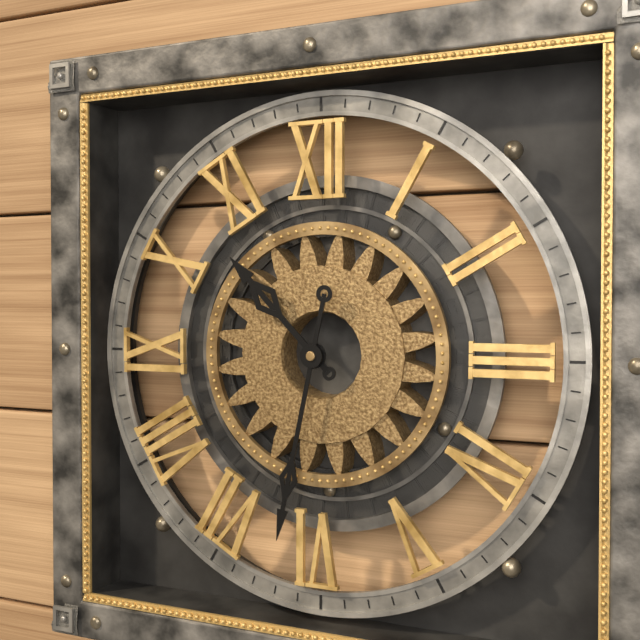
h=10 m=32
